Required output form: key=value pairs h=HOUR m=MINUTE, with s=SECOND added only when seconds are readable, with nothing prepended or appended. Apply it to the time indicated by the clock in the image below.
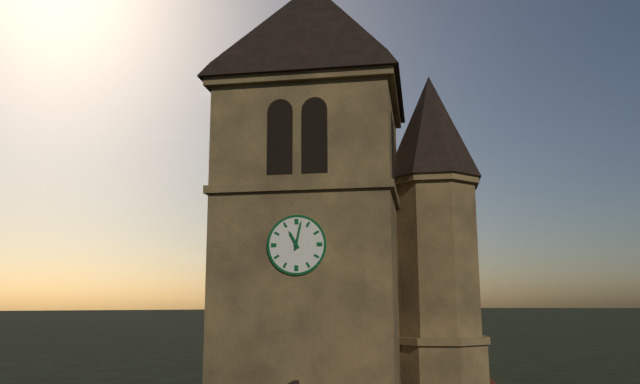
h=11 m=2
